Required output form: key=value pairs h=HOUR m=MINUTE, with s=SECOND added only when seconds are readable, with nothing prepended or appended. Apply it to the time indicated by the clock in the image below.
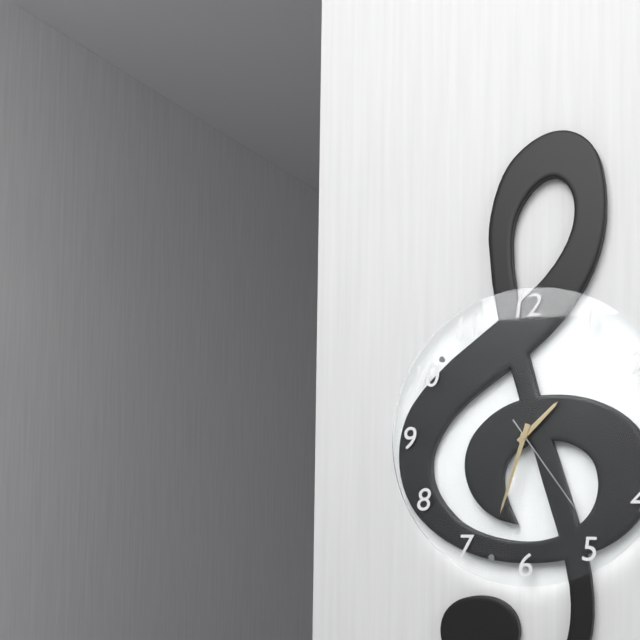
h=1 m=33 s=24
